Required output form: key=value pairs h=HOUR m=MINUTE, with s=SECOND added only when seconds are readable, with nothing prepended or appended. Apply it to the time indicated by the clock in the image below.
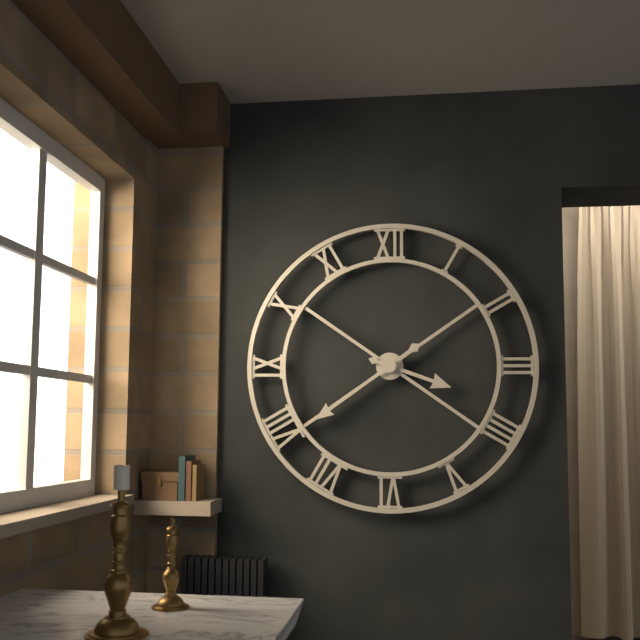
h=3 m=39
